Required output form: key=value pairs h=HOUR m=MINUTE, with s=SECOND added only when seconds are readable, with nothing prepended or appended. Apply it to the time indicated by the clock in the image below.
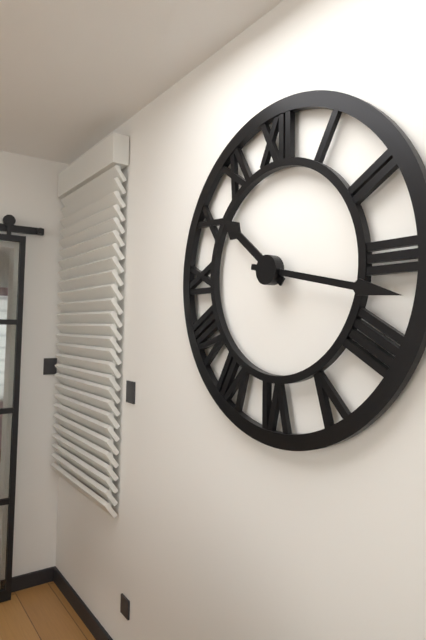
h=10 m=17
